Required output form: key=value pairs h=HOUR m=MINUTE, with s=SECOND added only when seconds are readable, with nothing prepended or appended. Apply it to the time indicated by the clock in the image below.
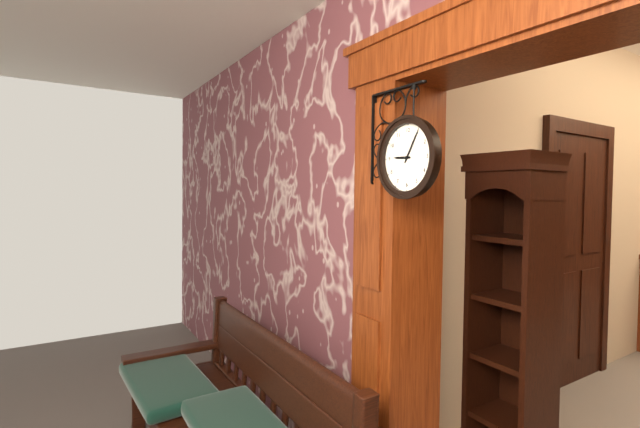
h=9 m=5
